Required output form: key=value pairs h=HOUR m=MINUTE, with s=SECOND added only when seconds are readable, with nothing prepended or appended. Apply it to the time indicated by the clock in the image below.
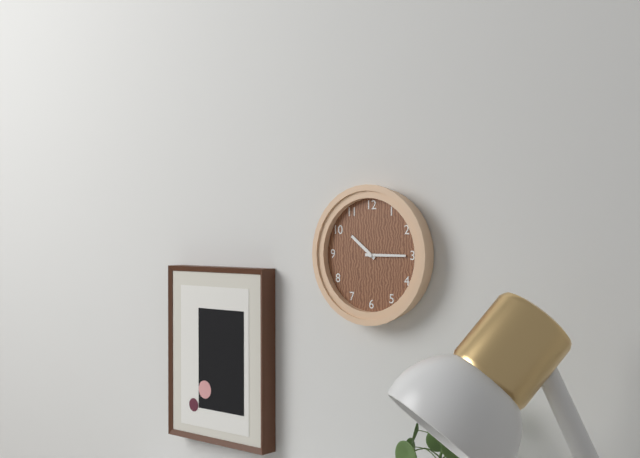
h=10 m=15
